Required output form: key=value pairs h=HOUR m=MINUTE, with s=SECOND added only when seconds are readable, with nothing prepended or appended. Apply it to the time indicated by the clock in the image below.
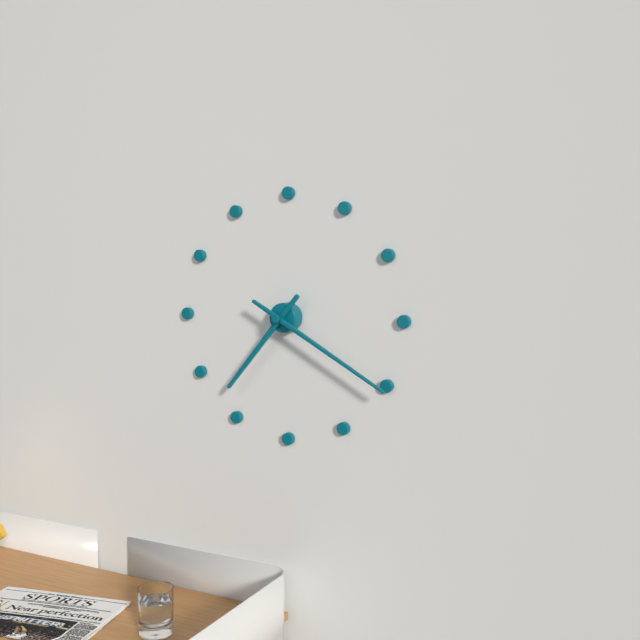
h=7 m=20
